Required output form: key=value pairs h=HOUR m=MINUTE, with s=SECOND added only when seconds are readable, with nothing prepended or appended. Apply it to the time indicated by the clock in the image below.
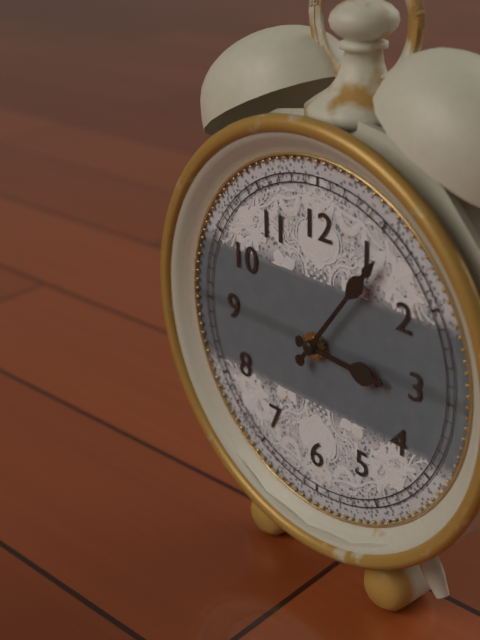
h=3 m=6
